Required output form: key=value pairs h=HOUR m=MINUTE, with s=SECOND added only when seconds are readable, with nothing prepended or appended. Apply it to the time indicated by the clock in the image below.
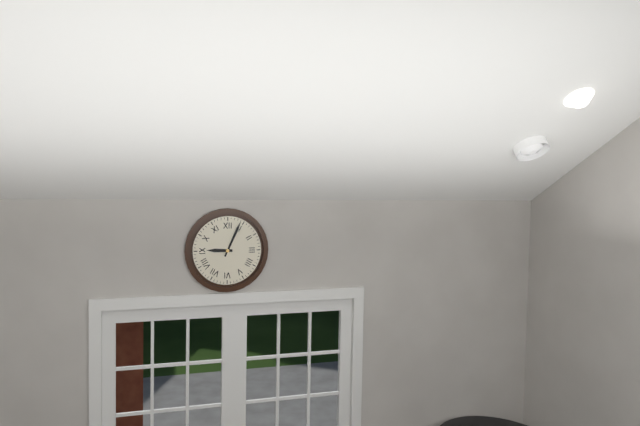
h=9 m=4
